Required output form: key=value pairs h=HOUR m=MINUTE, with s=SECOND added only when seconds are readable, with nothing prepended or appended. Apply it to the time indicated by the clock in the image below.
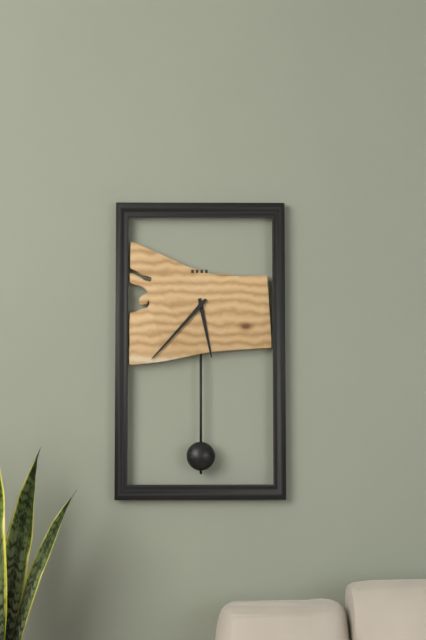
h=5 m=37
